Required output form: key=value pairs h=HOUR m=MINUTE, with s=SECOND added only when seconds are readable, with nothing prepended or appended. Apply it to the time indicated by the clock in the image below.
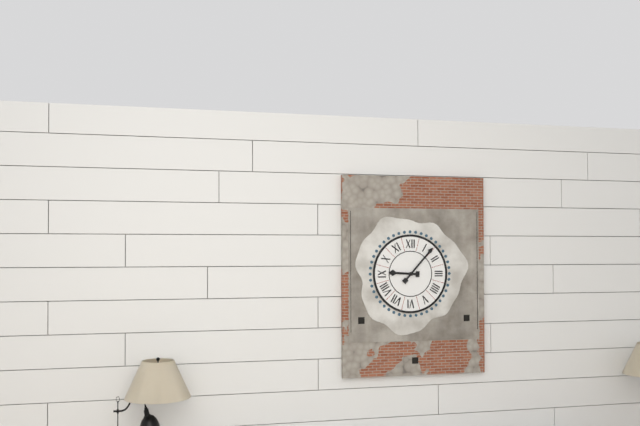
h=9 m=7
